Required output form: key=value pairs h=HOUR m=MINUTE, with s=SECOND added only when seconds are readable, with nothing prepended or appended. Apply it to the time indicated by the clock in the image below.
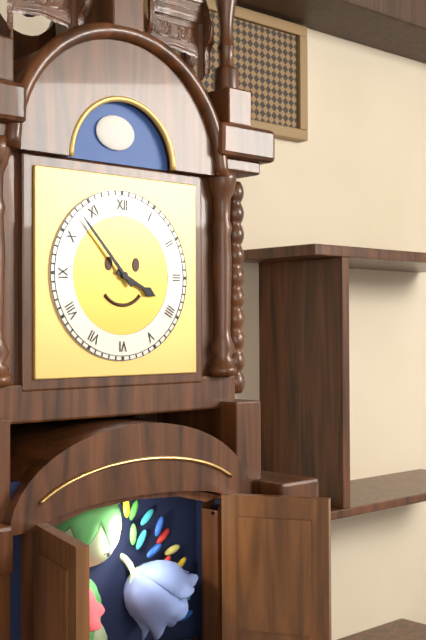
h=3 m=53
